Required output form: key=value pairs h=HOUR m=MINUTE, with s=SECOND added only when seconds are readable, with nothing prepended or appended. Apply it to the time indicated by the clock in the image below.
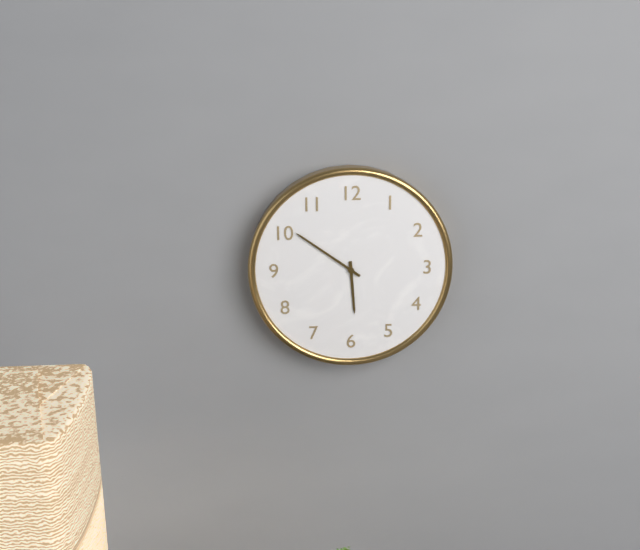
h=5 m=51
